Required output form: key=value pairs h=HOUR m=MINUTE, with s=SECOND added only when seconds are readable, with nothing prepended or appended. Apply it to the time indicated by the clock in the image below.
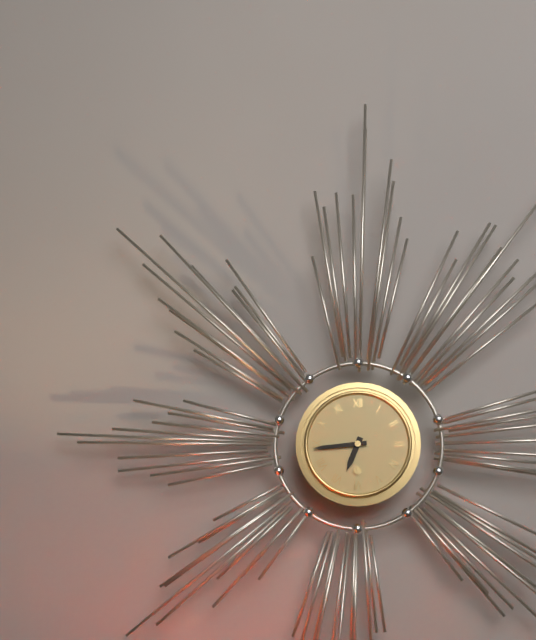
h=6 m=44
